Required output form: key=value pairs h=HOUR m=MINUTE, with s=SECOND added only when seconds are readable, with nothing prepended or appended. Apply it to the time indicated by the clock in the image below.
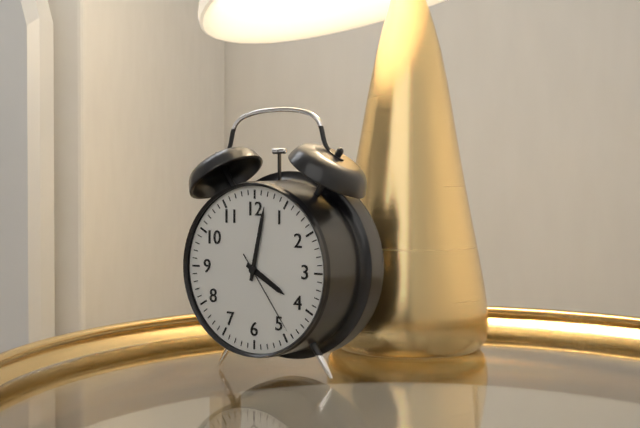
h=4 m=2 s=24
